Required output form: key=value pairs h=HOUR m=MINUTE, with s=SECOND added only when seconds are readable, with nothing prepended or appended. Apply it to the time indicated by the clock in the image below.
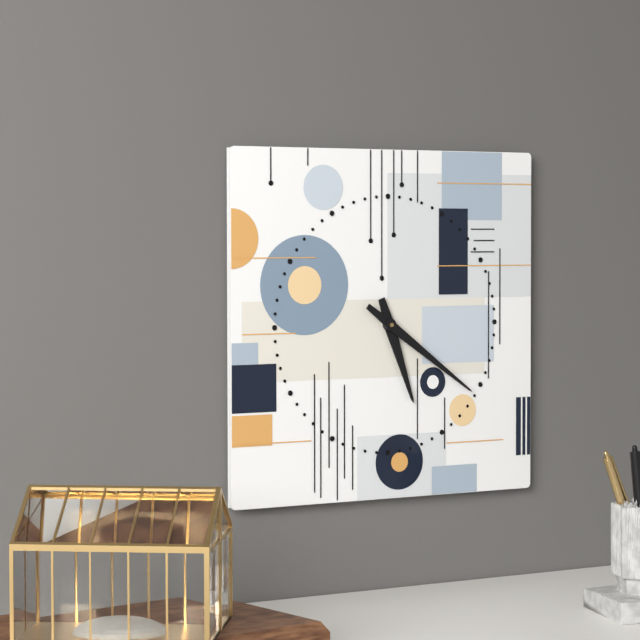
h=5 m=21
